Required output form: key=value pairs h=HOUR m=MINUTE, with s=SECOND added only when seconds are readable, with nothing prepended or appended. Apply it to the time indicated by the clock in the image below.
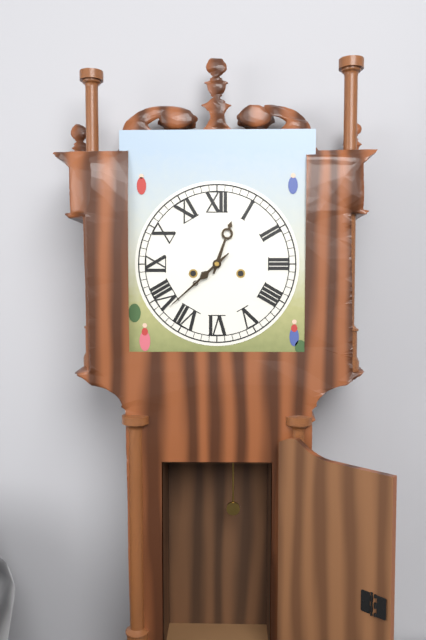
h=12 m=38
